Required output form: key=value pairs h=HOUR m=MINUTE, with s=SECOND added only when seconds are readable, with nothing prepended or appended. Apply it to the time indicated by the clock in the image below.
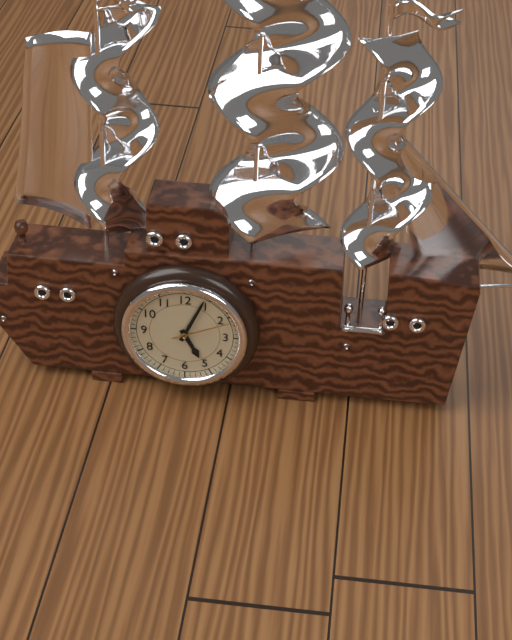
h=5 m=4 s=11
